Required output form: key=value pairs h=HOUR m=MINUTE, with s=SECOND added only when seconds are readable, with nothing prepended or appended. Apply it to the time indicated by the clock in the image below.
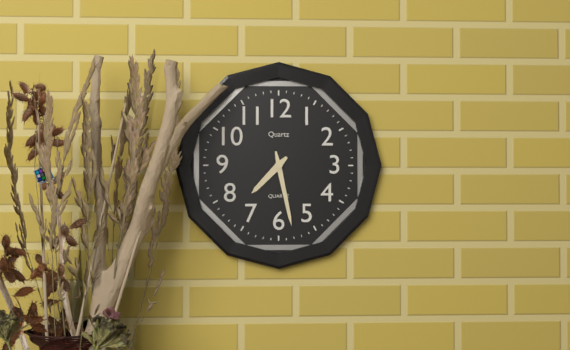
h=7 m=28
